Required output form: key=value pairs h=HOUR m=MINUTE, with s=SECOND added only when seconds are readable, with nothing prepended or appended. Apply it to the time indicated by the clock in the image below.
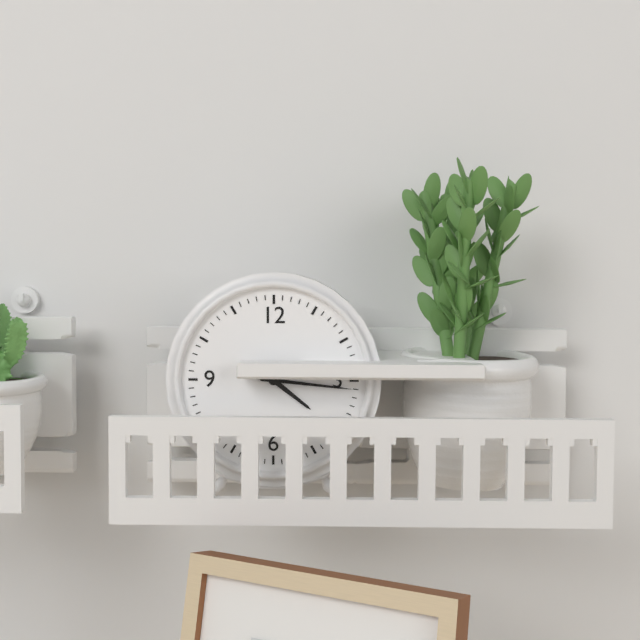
h=4 m=16 s=16
